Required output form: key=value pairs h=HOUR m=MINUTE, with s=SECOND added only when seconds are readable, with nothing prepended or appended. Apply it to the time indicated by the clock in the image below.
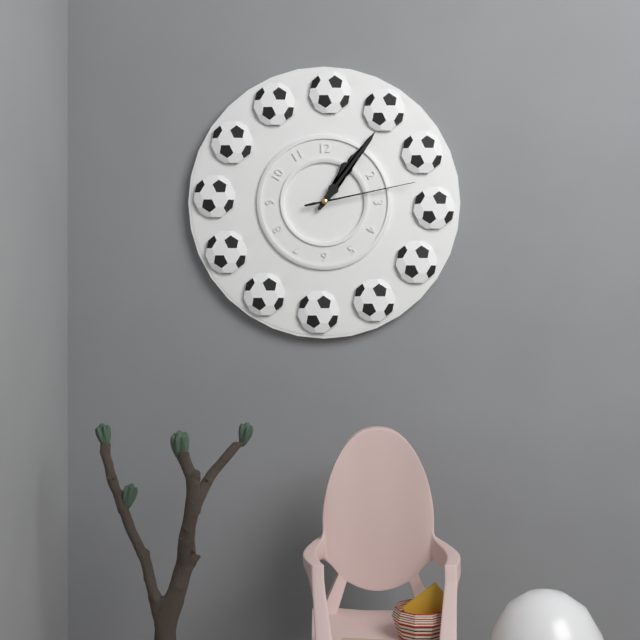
h=1 m=6 s=13
